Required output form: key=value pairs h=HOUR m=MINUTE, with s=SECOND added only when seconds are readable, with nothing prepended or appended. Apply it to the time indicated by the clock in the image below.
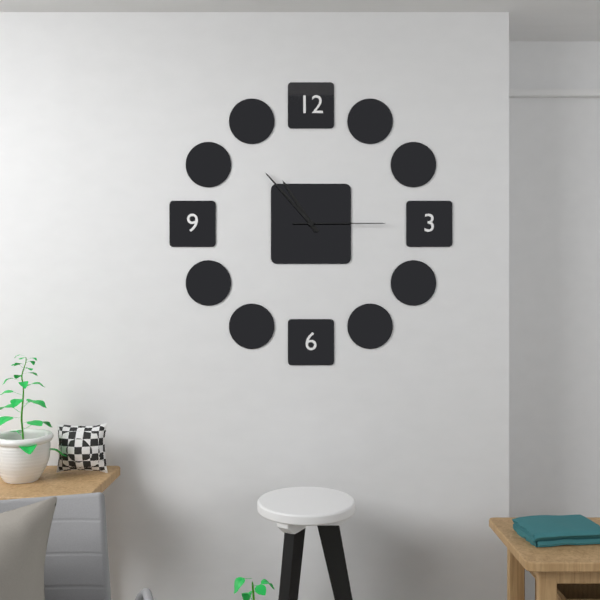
h=10 m=53 s=15
